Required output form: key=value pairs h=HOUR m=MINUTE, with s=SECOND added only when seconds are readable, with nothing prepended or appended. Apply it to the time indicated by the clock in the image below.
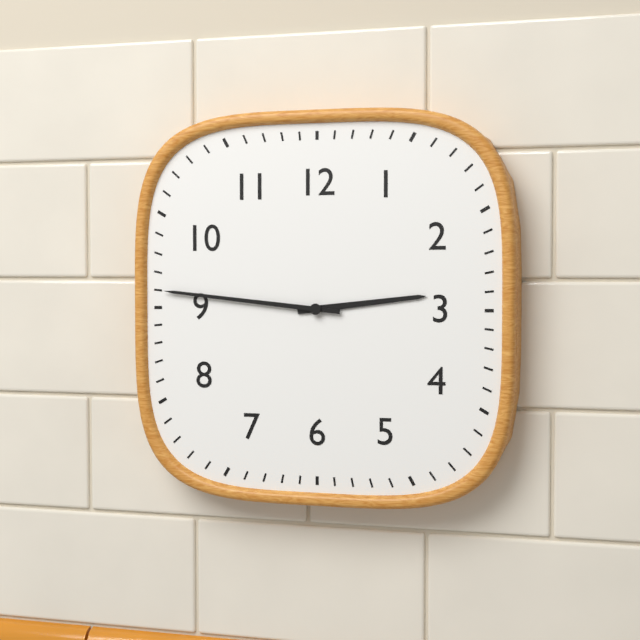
h=2 m=46
